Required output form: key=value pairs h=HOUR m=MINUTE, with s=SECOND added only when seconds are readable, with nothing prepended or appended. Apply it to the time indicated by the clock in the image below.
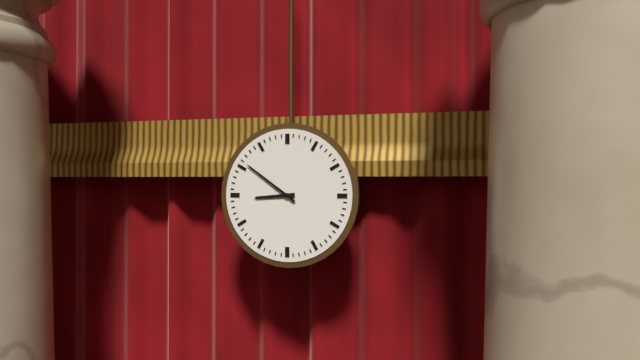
h=8 m=51
